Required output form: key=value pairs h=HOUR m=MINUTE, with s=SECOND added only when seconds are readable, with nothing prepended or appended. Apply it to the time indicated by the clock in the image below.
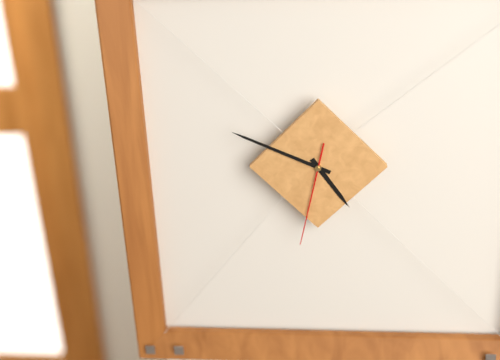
h=4 m=49 s=32
